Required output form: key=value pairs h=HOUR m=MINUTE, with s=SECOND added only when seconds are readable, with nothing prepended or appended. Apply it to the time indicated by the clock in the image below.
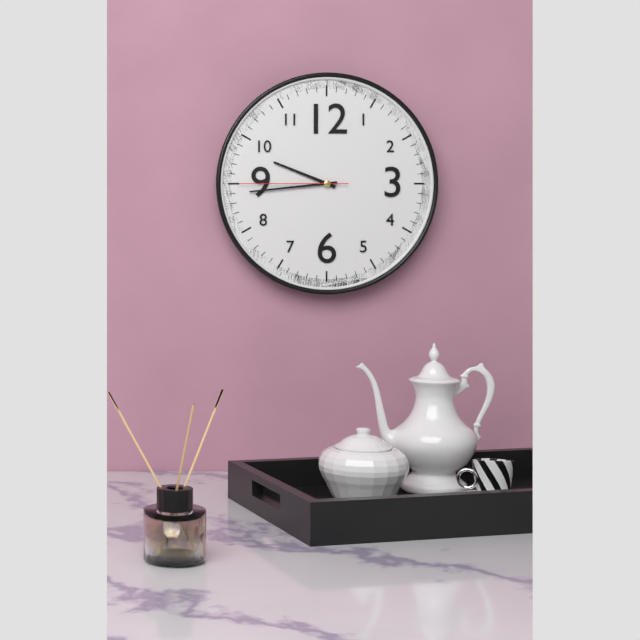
h=9 m=44 s=45
